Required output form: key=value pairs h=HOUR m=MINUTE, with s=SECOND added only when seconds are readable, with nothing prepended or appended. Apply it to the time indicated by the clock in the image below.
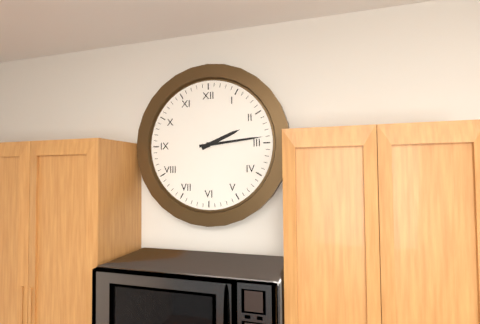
h=2 m=14
